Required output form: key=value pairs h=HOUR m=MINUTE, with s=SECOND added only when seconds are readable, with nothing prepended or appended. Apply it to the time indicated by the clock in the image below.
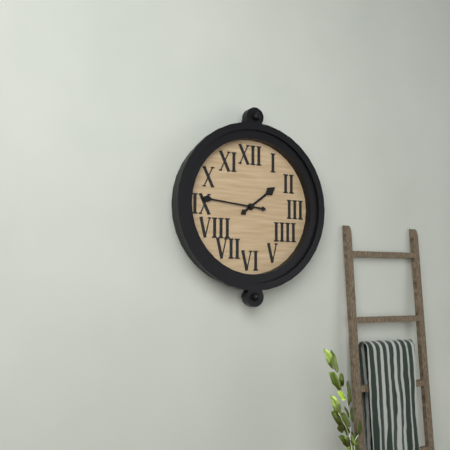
h=1 m=46
